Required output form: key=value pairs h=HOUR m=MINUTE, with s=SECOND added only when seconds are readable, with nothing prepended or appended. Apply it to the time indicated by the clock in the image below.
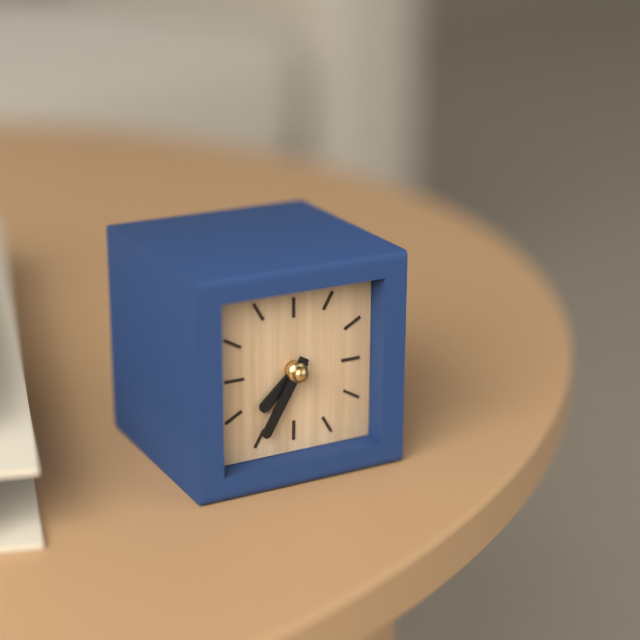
h=7 m=35
